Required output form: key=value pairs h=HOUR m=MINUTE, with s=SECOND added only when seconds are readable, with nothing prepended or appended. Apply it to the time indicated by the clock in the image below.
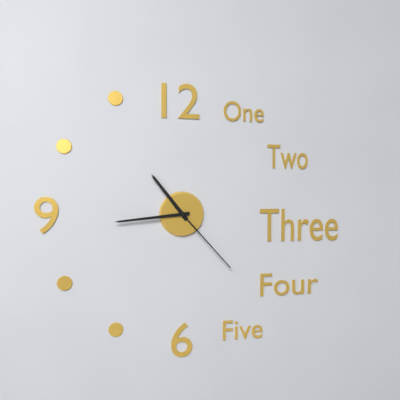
h=10 m=44 s=23
